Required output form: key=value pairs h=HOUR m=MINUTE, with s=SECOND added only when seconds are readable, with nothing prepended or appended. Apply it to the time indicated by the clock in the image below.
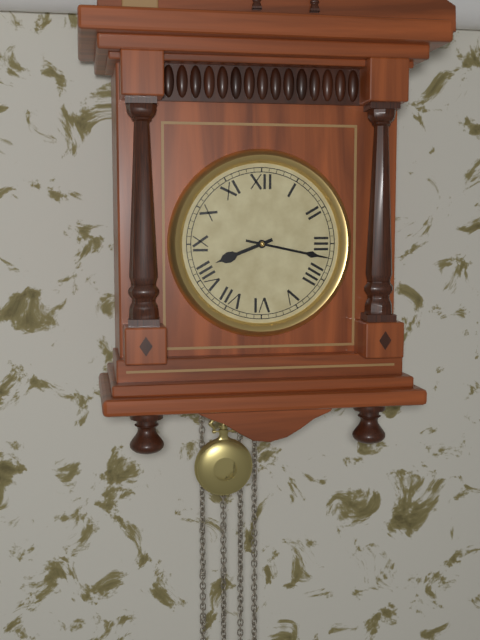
h=8 m=17
